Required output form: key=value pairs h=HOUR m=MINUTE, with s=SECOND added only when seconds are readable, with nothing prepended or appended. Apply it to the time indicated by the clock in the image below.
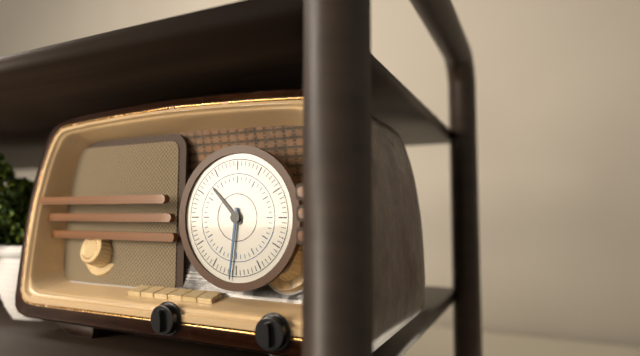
h=10 m=31
